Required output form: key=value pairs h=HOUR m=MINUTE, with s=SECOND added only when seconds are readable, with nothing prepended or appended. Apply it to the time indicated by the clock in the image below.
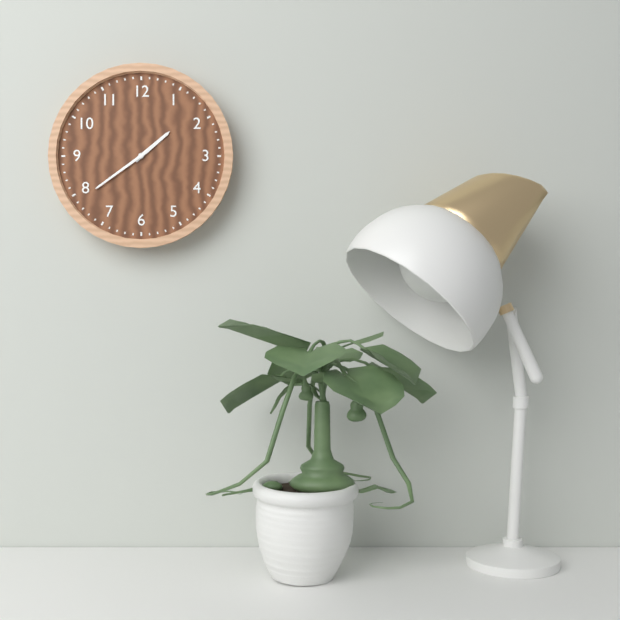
h=1 m=39
